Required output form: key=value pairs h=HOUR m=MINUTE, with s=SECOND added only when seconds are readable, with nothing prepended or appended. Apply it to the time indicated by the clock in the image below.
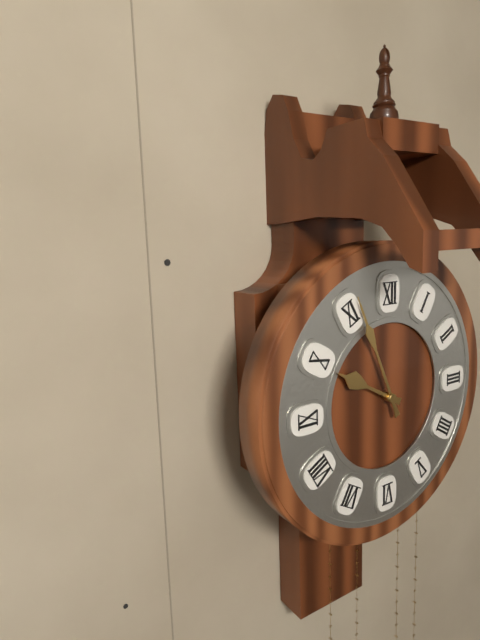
h=9 m=56
